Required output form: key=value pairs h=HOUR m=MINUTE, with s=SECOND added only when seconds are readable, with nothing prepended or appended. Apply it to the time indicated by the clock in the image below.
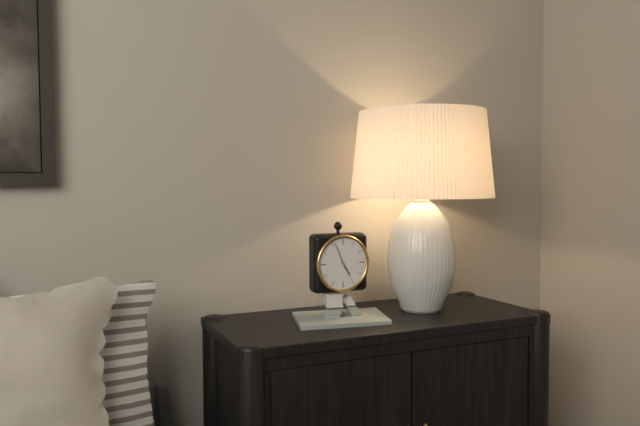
h=4 m=56
